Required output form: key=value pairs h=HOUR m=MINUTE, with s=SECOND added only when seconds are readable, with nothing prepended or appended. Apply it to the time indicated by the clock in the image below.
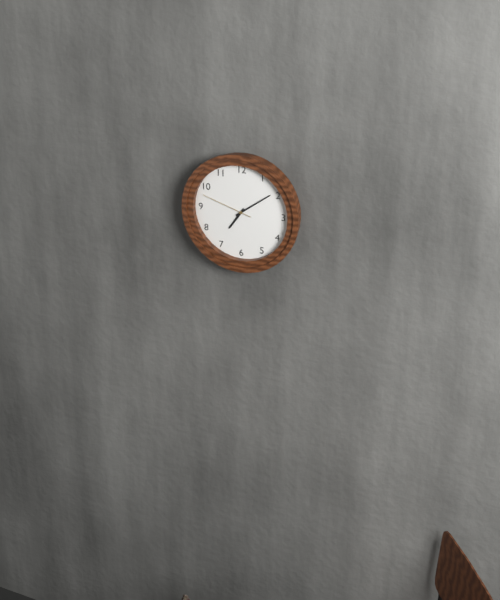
h=7 m=9 s=48
